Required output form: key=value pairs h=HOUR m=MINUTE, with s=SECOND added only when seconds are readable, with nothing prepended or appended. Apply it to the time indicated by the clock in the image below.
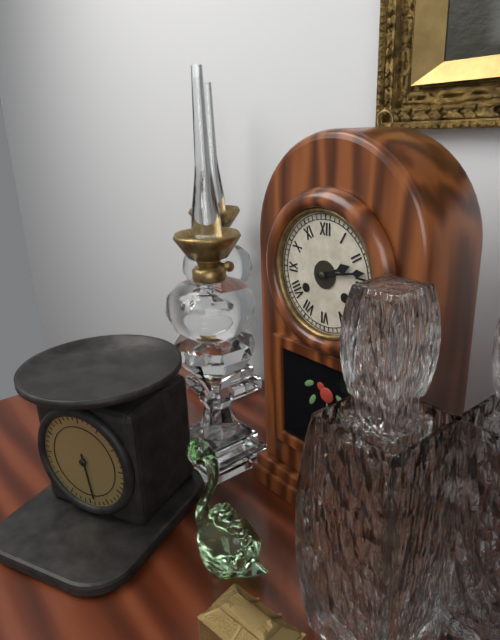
h=2 m=13
